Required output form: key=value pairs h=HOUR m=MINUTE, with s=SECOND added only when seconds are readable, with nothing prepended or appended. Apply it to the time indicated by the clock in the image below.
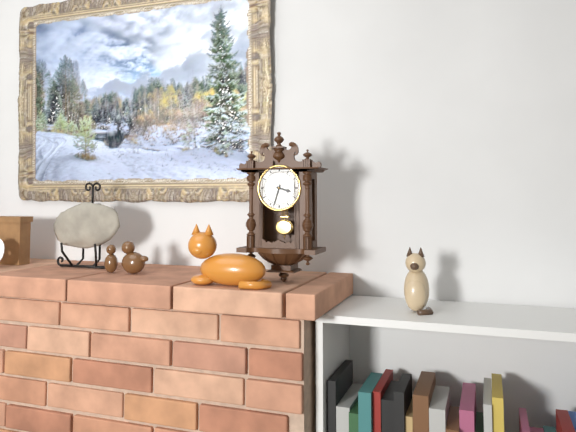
h=3 m=33
